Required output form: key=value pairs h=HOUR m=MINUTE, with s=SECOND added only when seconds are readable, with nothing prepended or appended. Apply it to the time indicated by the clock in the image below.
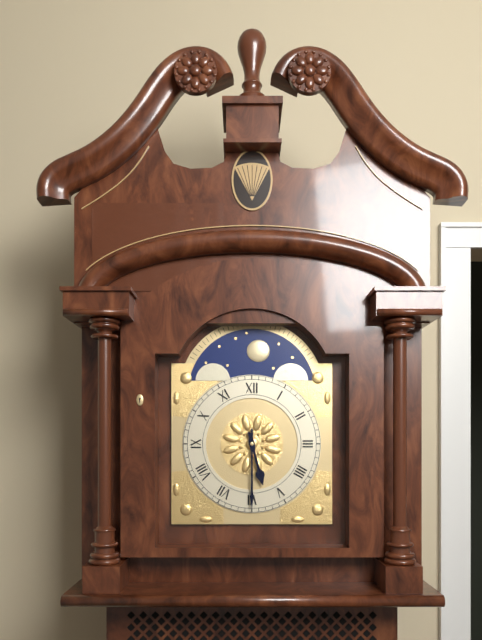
h=5 m=30
